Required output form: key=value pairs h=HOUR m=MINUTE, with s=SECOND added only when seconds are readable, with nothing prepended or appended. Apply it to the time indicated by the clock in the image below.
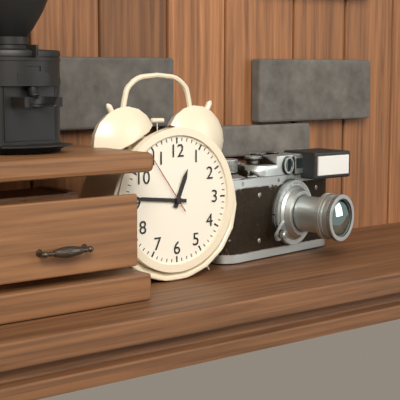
h=12 m=46 s=54
